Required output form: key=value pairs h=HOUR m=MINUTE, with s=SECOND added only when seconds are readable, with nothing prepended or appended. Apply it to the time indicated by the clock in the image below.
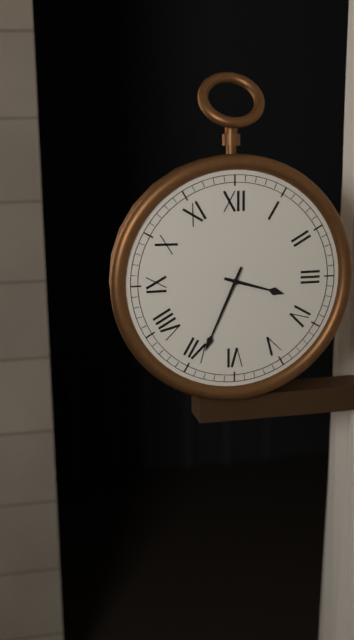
h=3 m=34
